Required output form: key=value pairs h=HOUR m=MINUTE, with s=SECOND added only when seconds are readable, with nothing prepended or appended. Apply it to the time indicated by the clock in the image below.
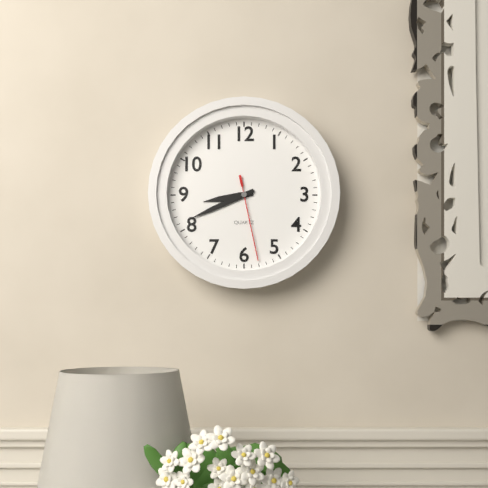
h=8 m=41 s=28
